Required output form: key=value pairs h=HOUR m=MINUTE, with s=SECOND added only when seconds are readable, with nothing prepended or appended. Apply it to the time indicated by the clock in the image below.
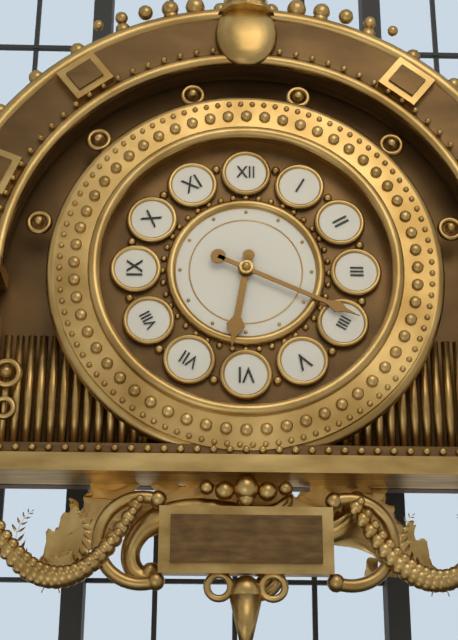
h=6 m=19
